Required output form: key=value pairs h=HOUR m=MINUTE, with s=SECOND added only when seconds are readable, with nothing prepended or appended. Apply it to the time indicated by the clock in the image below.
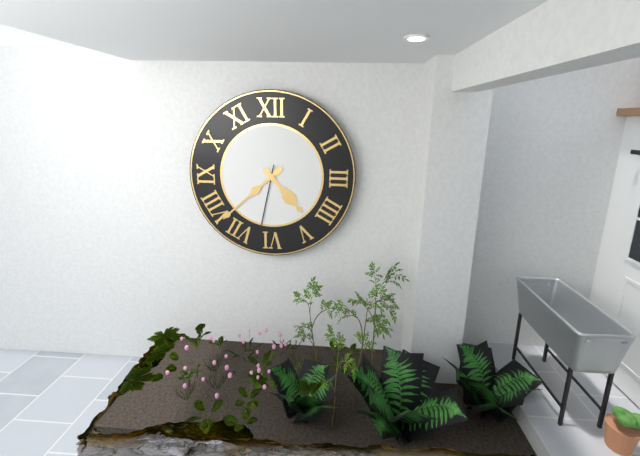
h=4 m=38 s=32
